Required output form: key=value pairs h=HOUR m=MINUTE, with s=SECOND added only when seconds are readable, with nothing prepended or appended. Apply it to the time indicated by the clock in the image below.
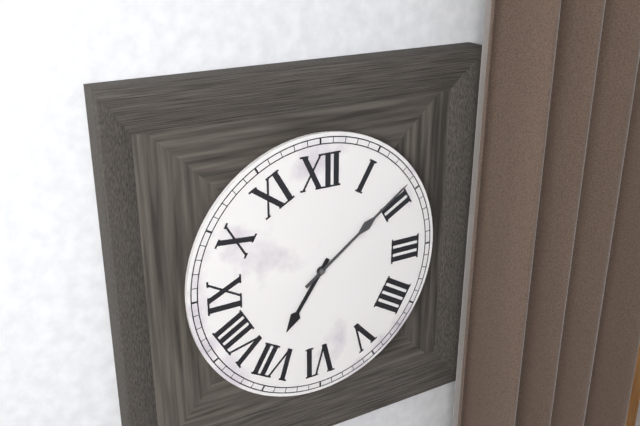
h=7 m=9
